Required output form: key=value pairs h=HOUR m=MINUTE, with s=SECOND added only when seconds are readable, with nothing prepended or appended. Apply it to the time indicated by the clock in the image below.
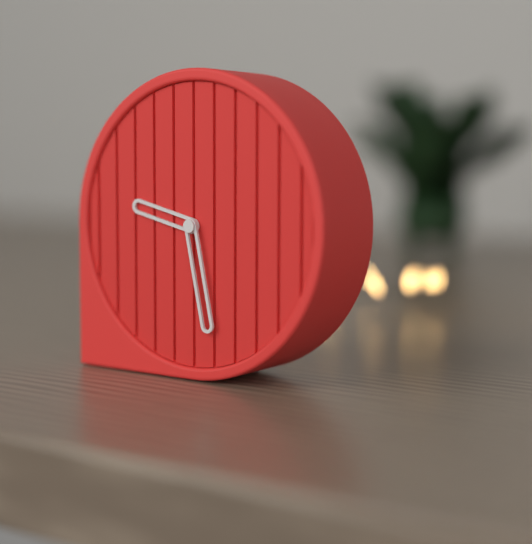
h=9 m=28
